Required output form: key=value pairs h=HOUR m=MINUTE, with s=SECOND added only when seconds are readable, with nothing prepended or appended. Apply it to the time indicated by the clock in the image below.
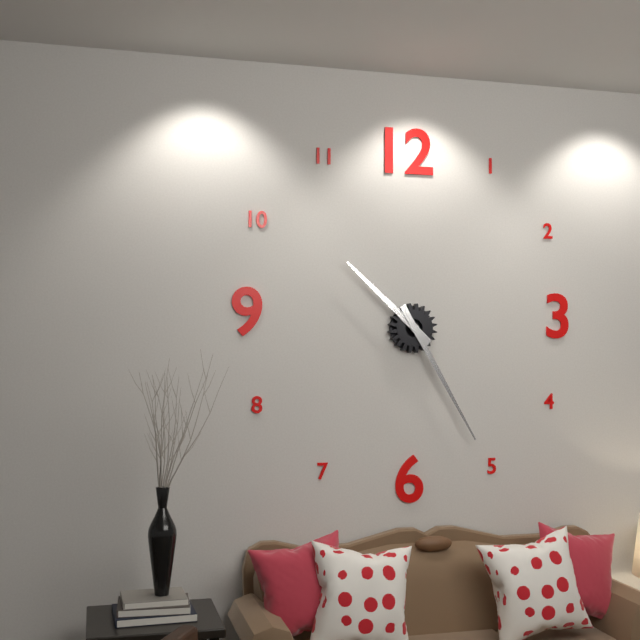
h=10 m=25
